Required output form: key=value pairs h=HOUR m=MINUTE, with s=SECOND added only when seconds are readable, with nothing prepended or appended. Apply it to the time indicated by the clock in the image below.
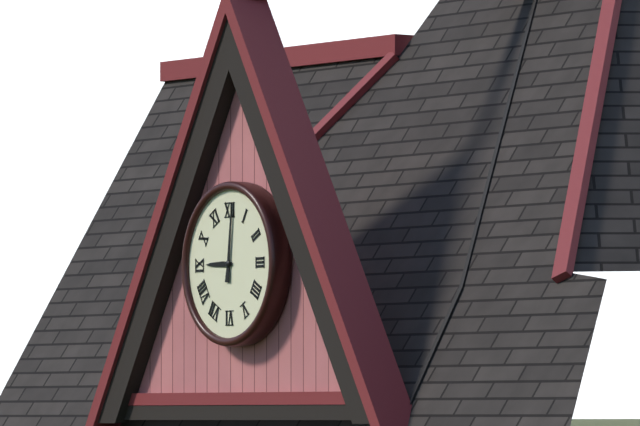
h=9 m=1
